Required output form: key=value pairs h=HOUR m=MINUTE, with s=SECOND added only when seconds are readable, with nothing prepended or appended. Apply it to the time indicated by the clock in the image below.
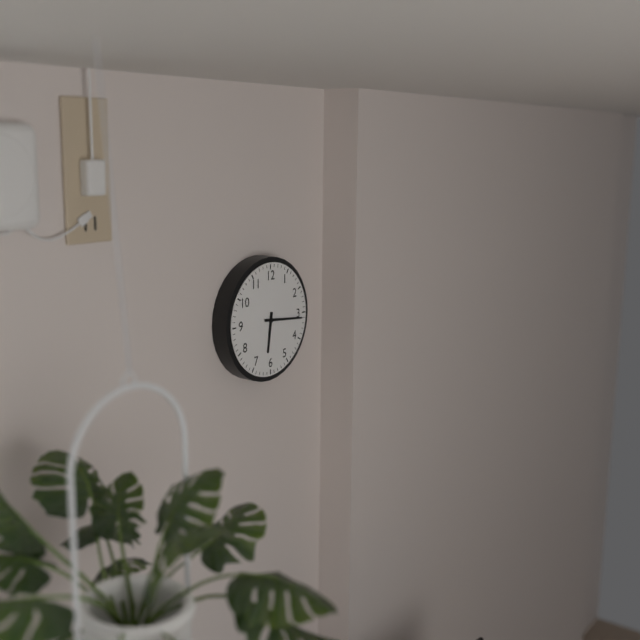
h=6 m=16
